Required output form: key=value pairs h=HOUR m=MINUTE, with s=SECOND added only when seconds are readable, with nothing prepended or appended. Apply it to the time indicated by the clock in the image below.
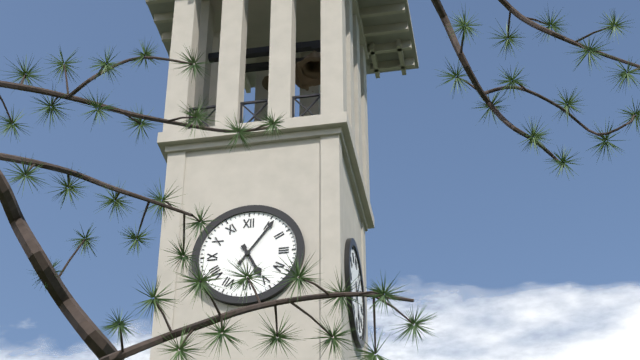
h=5 m=6
